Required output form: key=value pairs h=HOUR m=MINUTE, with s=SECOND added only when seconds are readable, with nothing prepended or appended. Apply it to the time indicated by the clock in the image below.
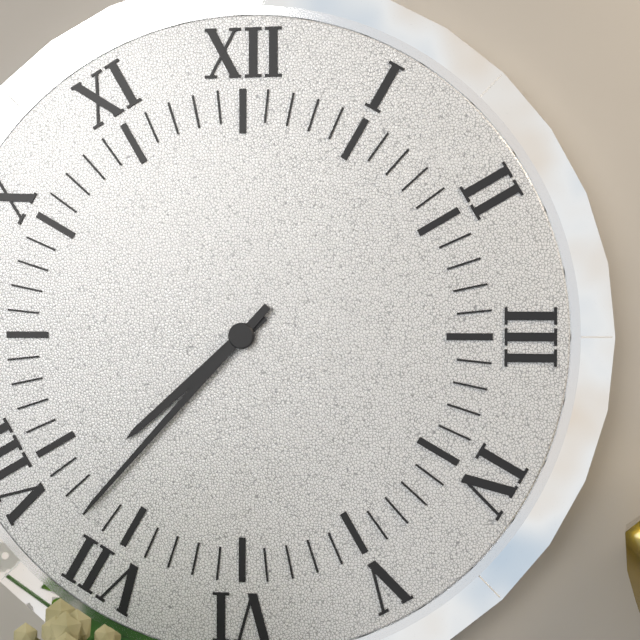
h=7 m=37
